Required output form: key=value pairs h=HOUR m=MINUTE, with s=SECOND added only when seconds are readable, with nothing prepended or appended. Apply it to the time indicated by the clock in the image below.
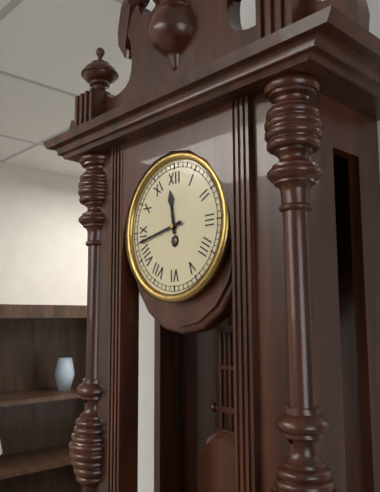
h=11 m=43
